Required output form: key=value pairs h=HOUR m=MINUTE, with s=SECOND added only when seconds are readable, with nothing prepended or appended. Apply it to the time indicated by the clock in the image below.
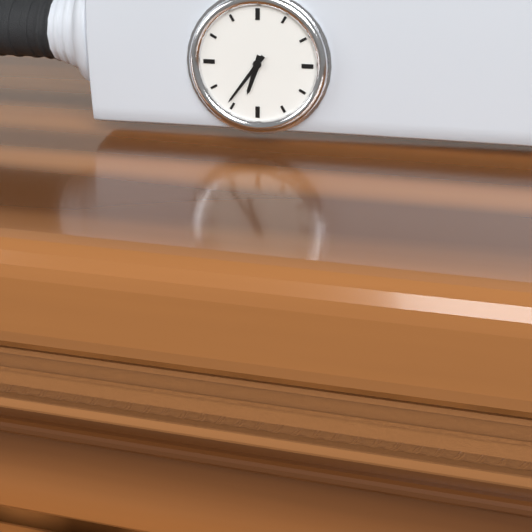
h=6 m=36
